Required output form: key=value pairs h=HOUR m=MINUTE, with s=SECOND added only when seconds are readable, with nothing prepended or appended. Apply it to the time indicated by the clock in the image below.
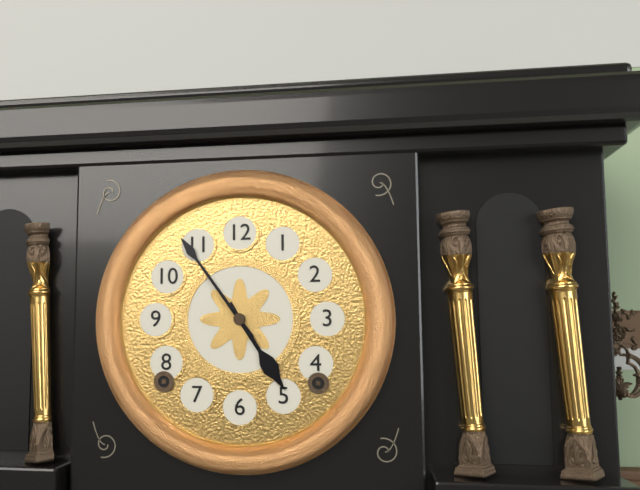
h=4 m=54
